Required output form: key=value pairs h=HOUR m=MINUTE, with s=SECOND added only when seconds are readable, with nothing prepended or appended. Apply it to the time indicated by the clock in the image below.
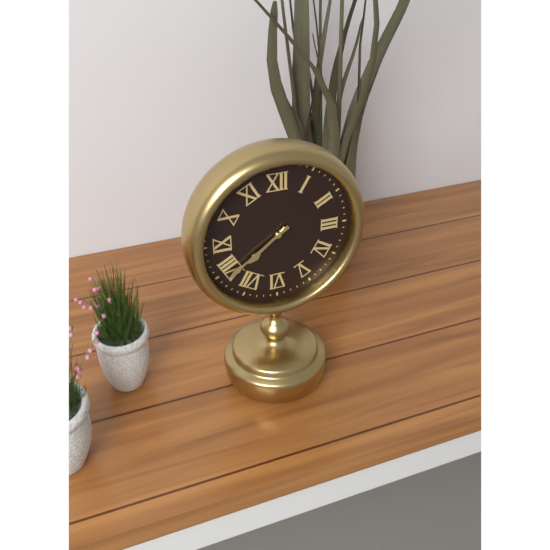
h=7 m=39
